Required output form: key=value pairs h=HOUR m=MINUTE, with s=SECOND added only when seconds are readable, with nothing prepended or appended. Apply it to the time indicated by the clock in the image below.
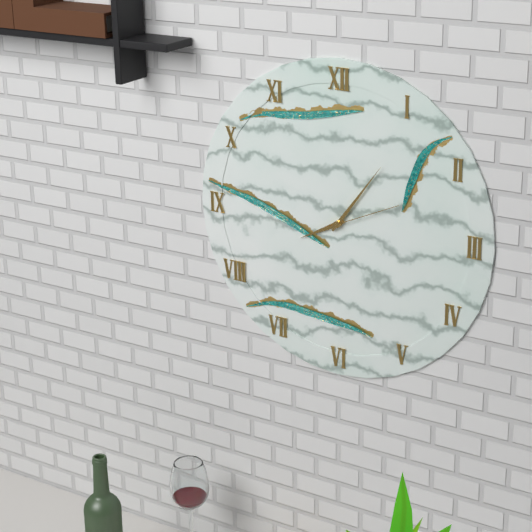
h=8 m=6 s=11
